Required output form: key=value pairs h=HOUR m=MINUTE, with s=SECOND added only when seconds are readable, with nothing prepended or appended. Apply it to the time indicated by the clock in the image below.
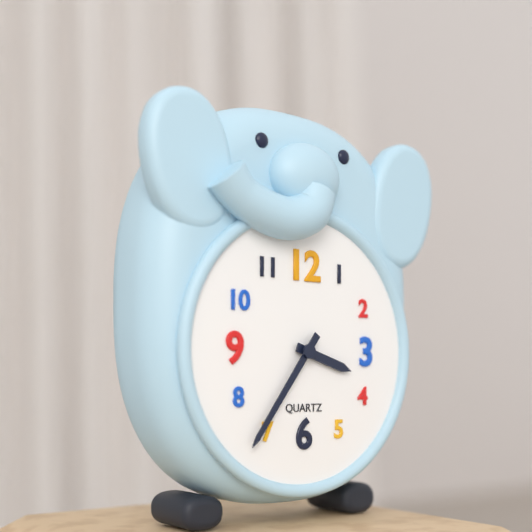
h=3 m=36
